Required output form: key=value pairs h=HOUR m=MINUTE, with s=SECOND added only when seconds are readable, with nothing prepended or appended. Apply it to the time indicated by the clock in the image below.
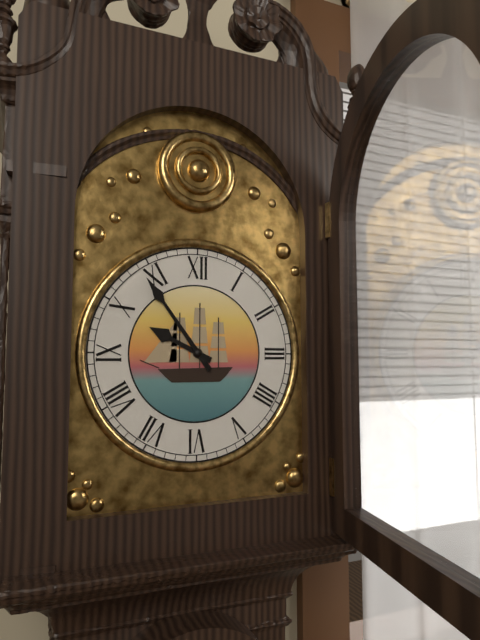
h=9 m=54
